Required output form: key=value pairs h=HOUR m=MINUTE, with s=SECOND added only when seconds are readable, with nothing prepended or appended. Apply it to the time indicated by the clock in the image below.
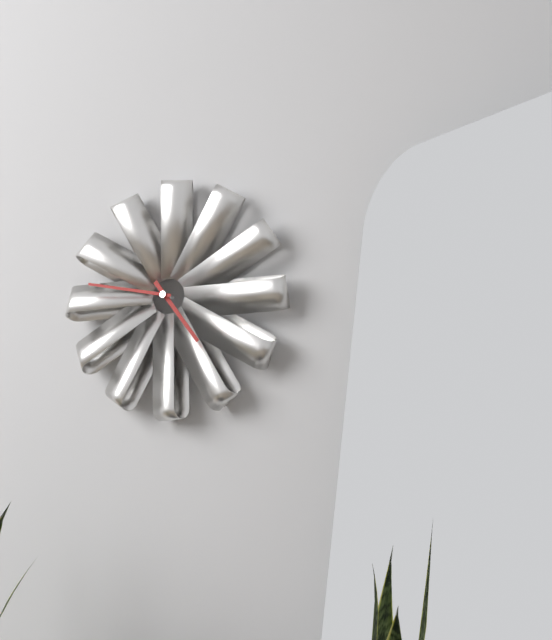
h=4 m=47
